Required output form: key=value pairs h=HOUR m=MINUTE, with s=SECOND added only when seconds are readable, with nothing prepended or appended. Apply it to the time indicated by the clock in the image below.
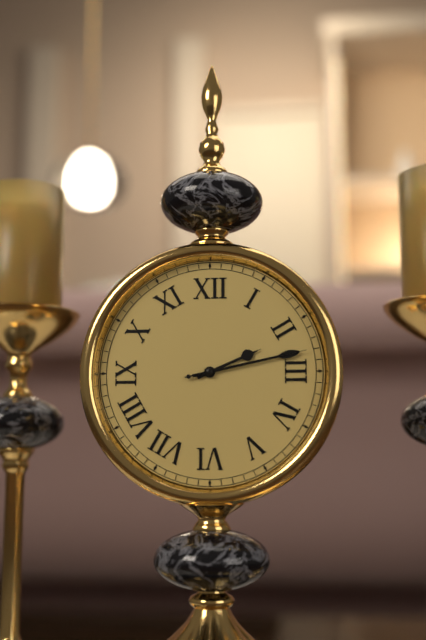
h=2 m=13 s=13
